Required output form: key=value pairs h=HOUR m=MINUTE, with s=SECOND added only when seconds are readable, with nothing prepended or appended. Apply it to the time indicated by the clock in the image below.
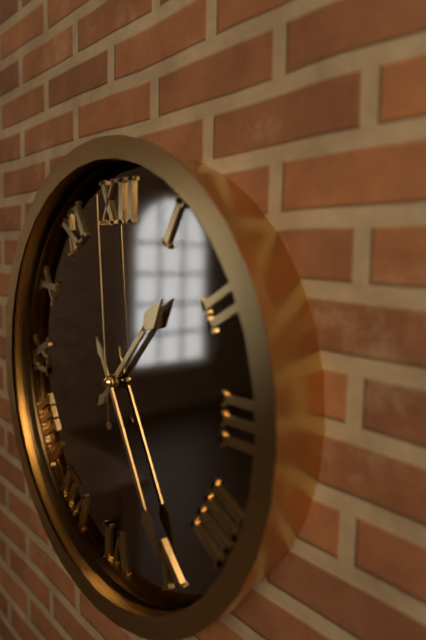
h=1 m=25 s=59
